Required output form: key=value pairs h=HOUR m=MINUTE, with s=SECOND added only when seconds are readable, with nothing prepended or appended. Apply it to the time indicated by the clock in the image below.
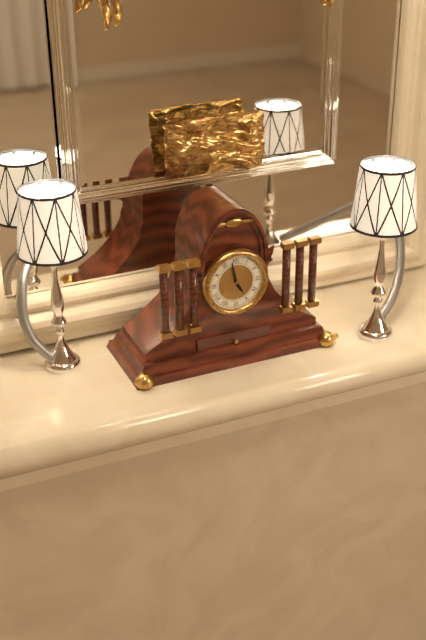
h=4 m=58
